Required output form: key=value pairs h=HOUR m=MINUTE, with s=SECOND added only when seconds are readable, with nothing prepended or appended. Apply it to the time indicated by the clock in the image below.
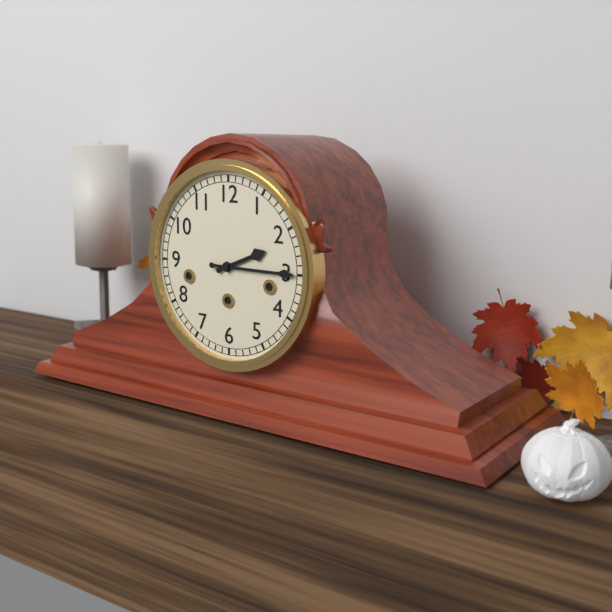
h=2 m=15
